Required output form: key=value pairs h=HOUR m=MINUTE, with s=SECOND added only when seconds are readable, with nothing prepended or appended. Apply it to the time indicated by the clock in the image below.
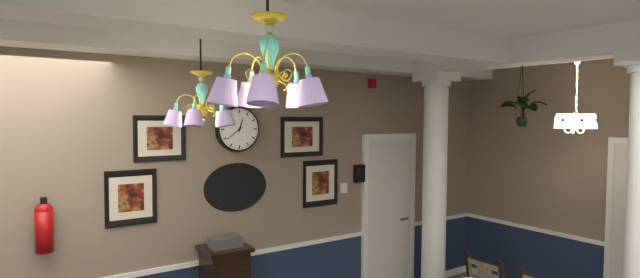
h=12 m=39
